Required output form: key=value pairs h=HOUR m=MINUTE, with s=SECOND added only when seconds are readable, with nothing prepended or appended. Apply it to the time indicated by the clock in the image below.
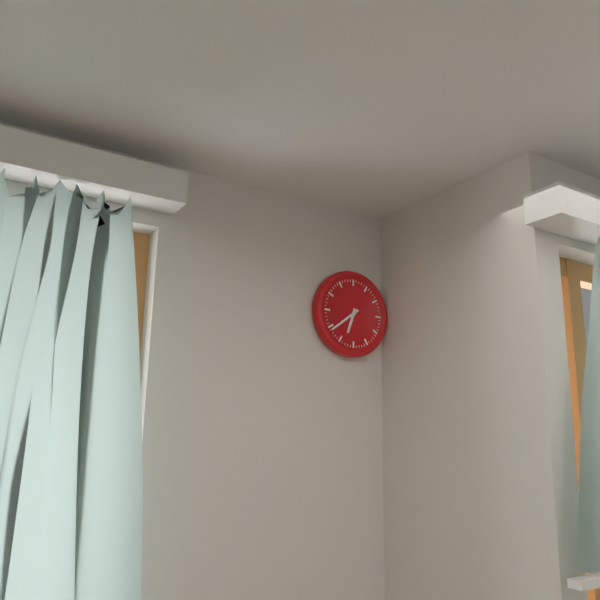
h=6 m=39
